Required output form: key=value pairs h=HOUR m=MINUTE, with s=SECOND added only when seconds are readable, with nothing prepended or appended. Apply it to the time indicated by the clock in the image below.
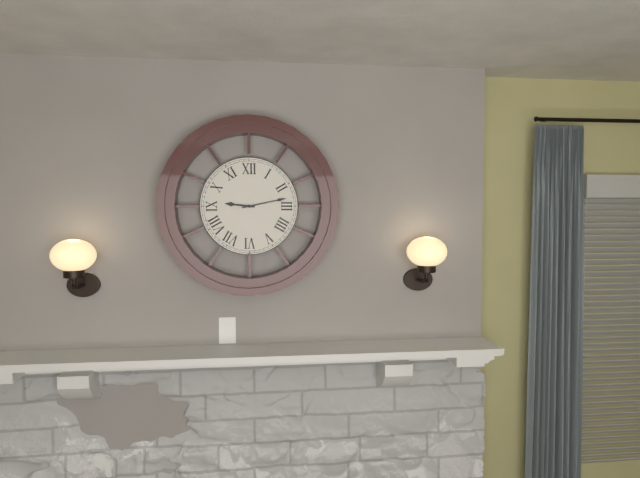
h=9 m=13
